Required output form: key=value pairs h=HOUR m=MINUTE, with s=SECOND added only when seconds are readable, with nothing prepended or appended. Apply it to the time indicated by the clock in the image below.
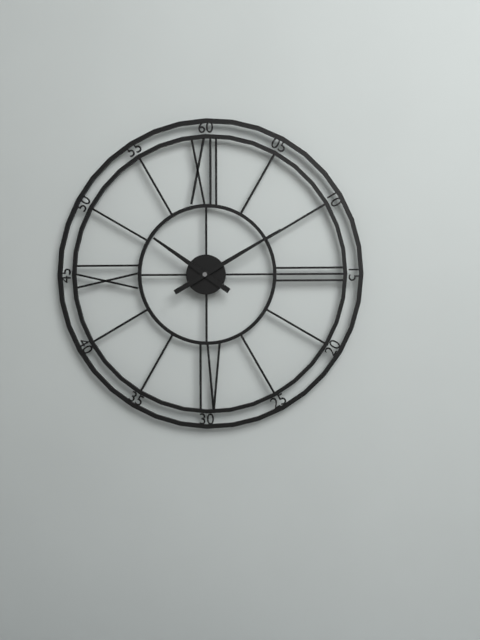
h=10 m=10
